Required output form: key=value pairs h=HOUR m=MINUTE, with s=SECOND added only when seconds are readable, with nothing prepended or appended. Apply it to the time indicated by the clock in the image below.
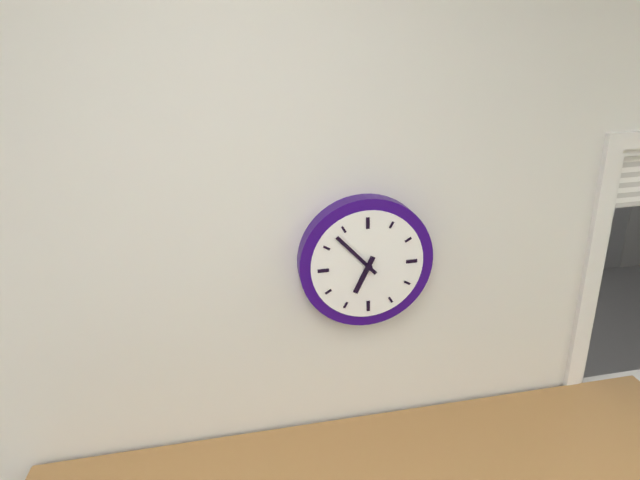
h=6 m=53
